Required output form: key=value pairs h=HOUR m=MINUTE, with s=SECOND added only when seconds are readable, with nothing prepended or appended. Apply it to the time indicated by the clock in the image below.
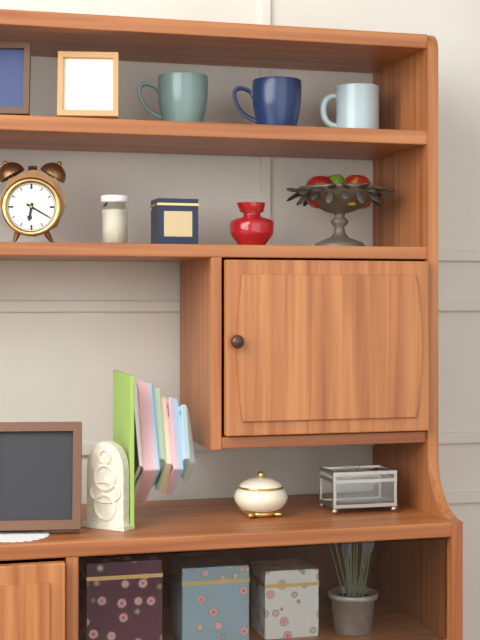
h=6 m=20
